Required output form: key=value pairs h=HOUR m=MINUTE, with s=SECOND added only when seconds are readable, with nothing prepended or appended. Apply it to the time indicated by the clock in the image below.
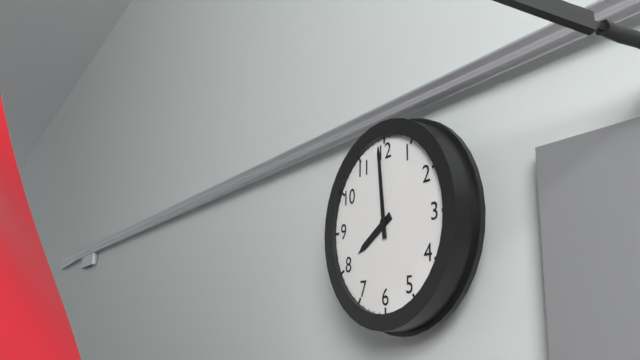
h=7 m=59
